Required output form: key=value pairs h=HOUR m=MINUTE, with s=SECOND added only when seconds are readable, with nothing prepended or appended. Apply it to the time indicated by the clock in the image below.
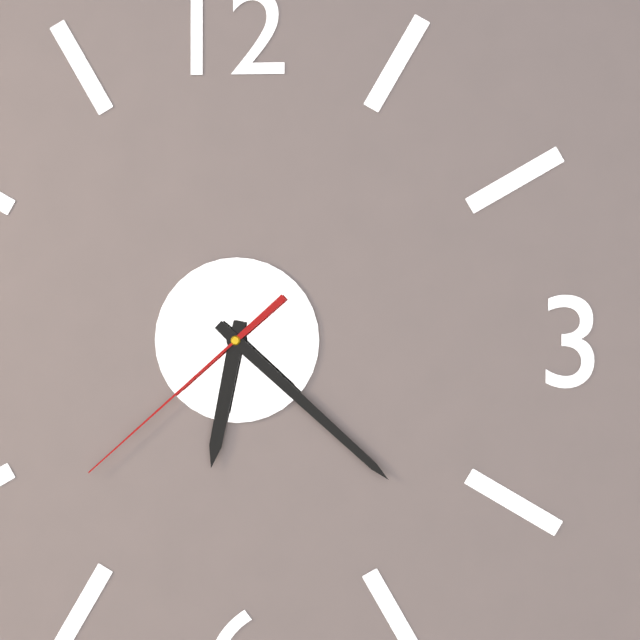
h=6 m=22 s=38
